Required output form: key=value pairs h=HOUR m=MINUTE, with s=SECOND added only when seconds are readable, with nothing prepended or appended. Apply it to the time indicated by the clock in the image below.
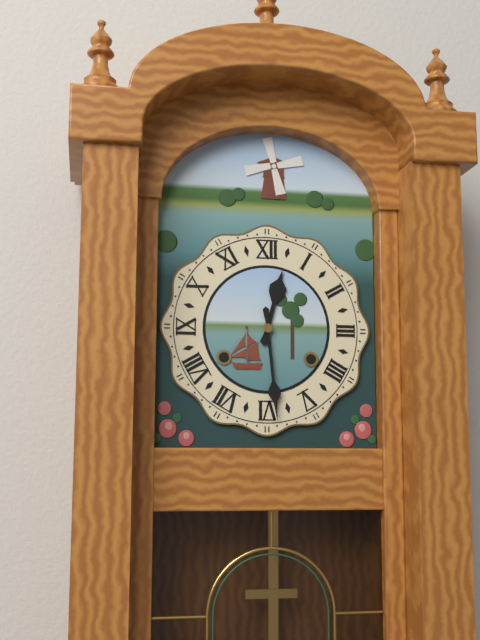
h=12 m=29
